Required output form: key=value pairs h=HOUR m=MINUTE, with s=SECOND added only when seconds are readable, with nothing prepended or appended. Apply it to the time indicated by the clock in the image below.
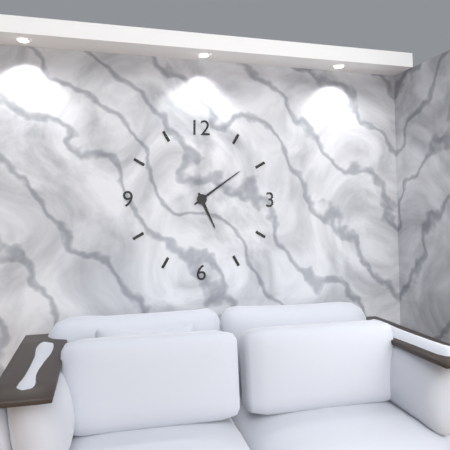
h=5 m=9
